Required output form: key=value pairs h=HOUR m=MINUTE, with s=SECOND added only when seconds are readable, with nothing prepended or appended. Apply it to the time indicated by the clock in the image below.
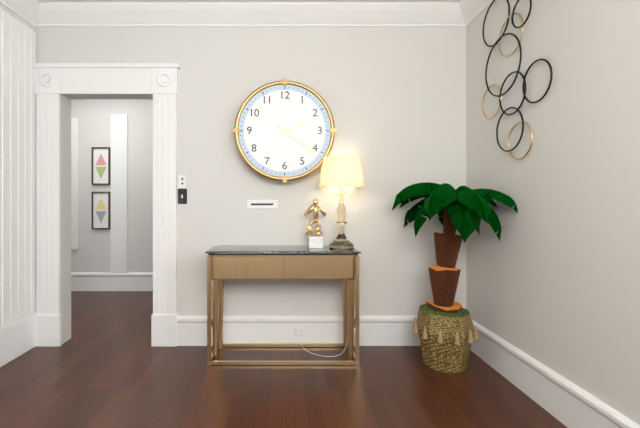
h=2 m=21
